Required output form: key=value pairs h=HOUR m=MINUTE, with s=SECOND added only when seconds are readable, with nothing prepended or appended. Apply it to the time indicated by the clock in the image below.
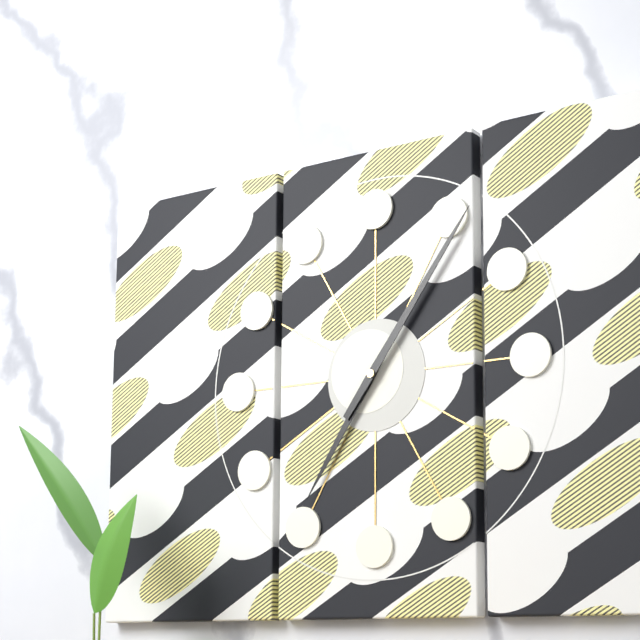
h=7 m=6
